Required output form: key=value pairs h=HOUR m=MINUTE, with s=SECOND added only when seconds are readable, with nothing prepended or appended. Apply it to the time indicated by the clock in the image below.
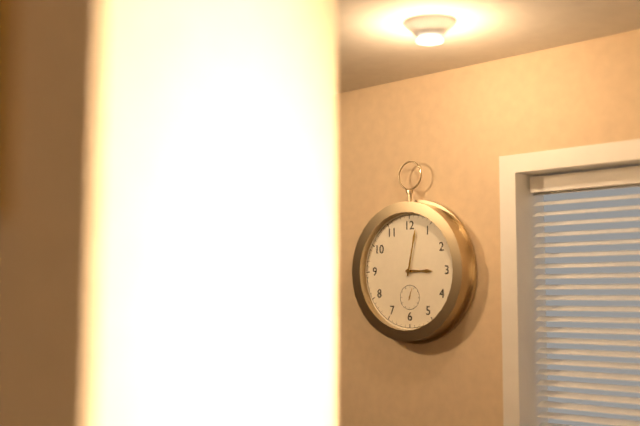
h=3 m=2
